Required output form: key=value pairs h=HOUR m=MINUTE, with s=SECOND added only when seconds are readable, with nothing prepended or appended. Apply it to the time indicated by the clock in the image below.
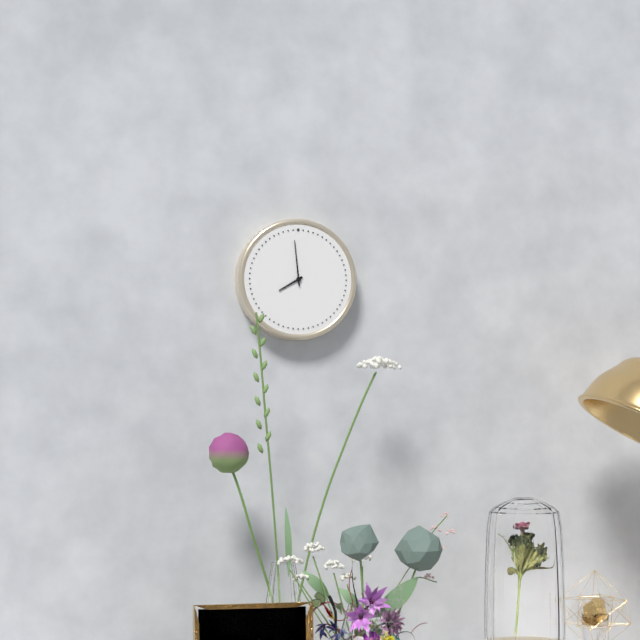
h=7 m=59
